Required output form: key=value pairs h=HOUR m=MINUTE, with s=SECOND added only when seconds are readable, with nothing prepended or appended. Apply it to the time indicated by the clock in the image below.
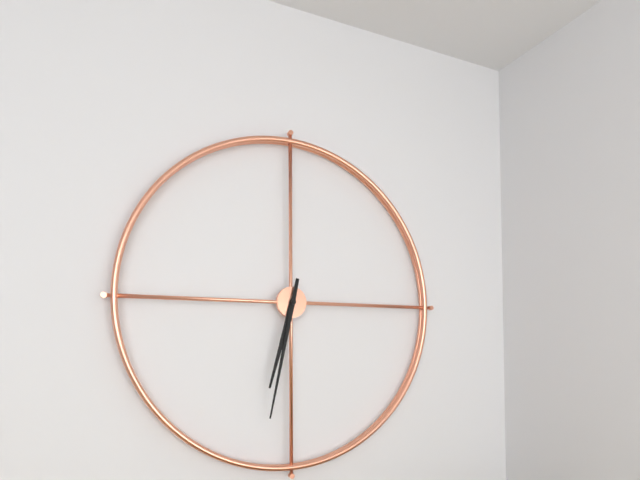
h=6 m=32
